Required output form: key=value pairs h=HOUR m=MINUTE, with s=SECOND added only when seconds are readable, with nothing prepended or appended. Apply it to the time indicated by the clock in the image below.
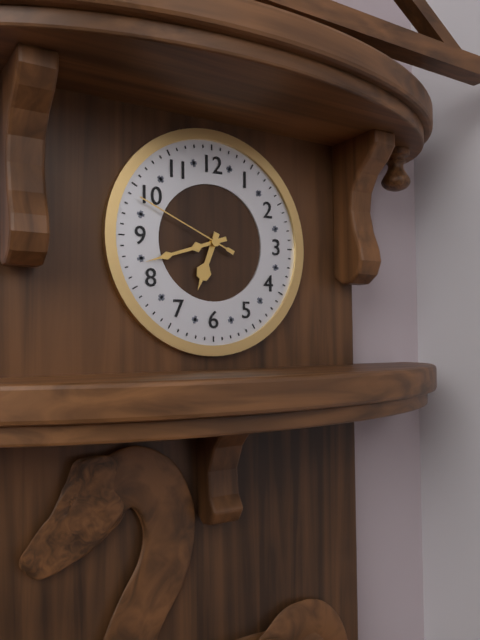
h=6 m=42 s=49
